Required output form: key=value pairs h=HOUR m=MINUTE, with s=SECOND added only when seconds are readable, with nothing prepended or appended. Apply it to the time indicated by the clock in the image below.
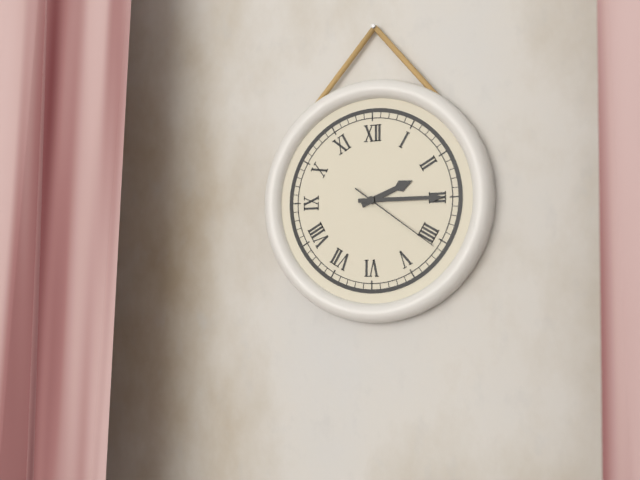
h=2 m=15 s=21
